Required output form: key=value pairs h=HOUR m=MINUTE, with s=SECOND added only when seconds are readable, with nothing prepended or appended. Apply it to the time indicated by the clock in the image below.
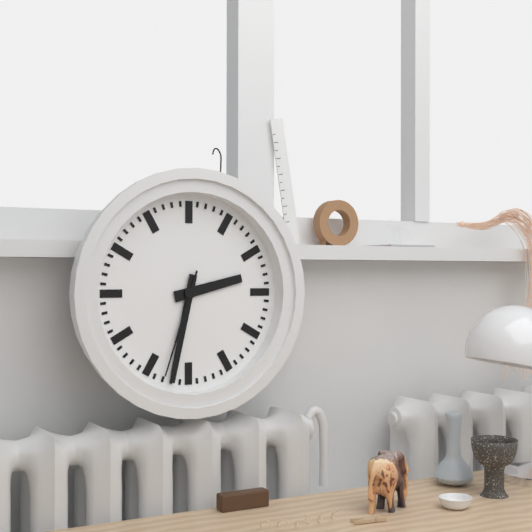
h=2 m=32 s=33
